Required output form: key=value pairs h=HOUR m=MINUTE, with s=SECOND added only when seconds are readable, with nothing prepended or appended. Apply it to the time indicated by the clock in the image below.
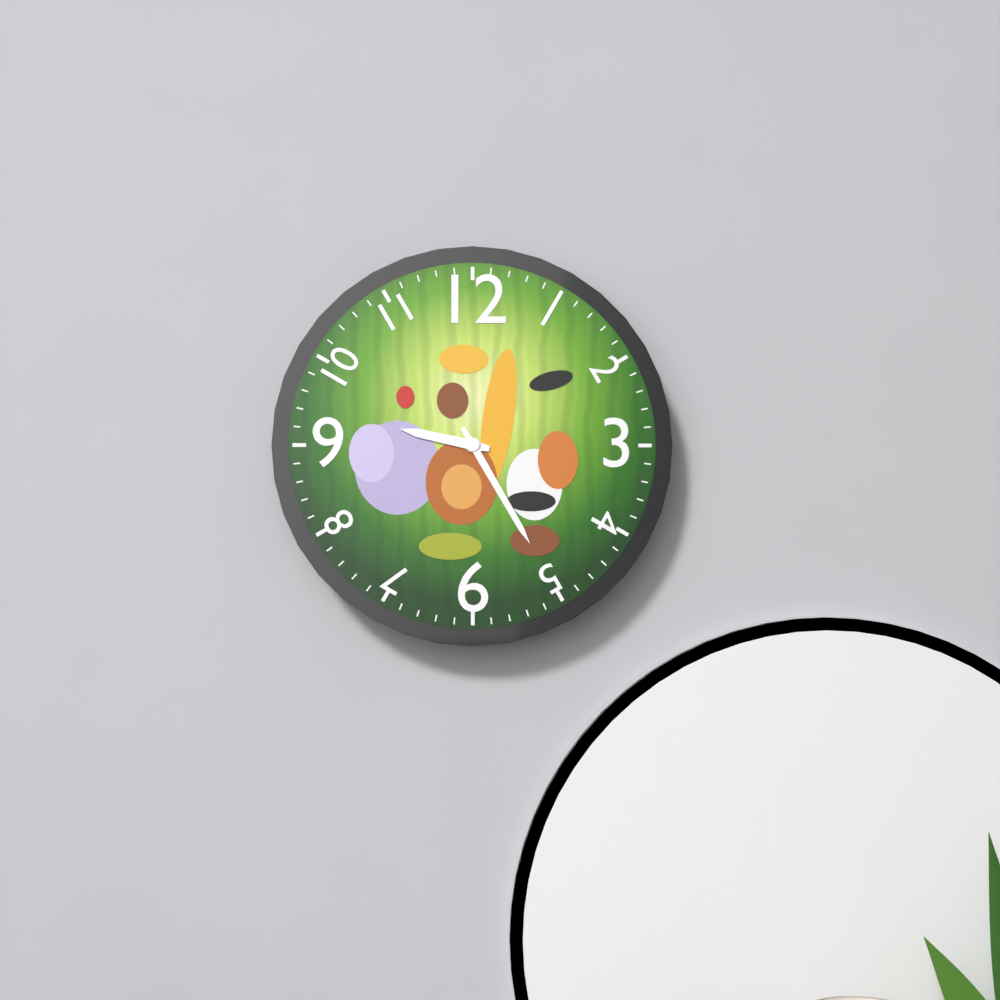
h=9 m=25
